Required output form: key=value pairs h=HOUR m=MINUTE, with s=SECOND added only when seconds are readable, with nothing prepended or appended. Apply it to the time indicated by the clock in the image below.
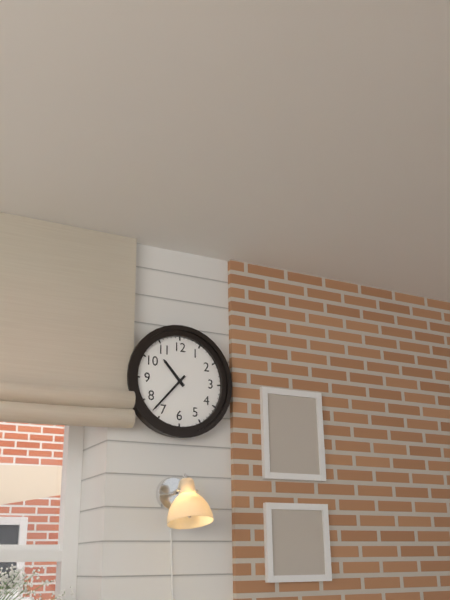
h=10 m=37
